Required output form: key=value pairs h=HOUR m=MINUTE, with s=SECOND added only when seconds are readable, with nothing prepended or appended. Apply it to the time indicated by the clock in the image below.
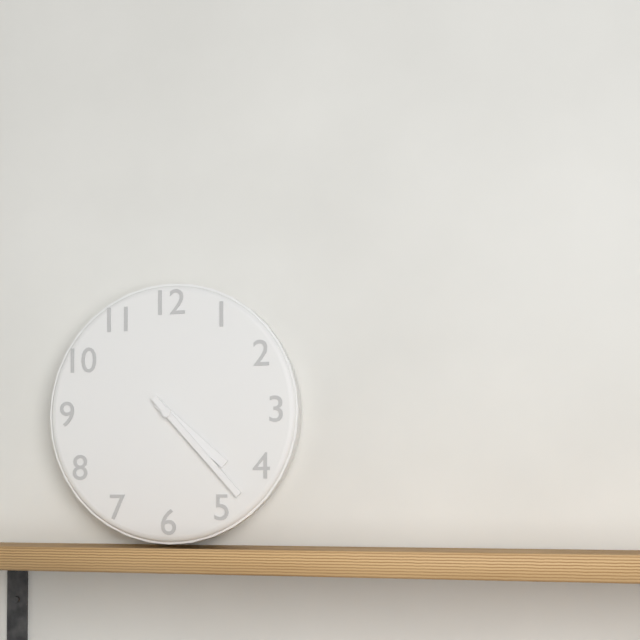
h=4 m=23
